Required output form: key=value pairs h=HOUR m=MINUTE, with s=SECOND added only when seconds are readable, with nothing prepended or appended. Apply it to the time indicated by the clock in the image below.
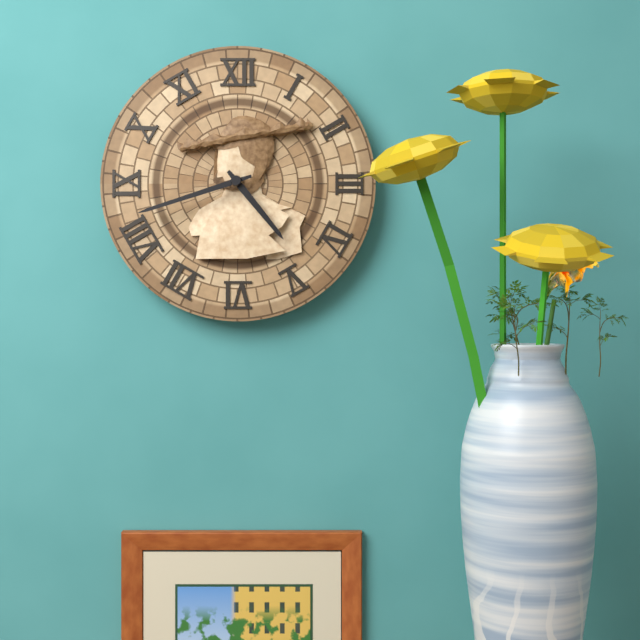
h=4 m=42
